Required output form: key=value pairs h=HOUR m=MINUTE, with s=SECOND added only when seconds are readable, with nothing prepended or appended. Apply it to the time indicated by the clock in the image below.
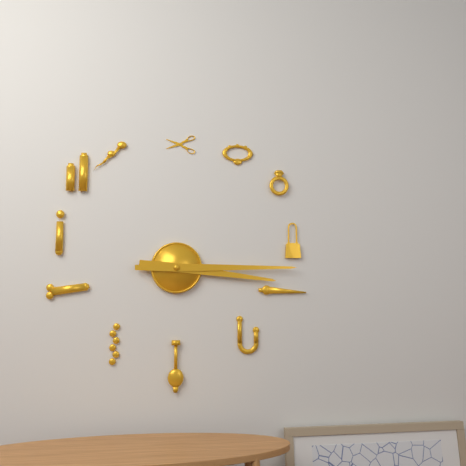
h=3 m=15
